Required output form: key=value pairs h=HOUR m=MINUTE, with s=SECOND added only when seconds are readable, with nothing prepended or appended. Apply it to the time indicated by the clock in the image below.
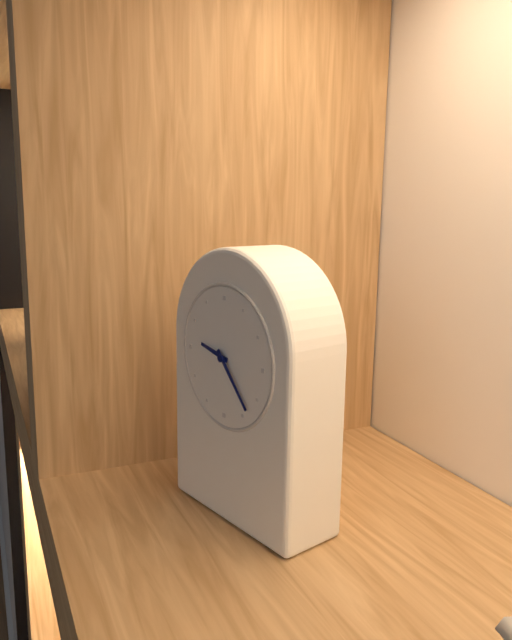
h=9 m=23
